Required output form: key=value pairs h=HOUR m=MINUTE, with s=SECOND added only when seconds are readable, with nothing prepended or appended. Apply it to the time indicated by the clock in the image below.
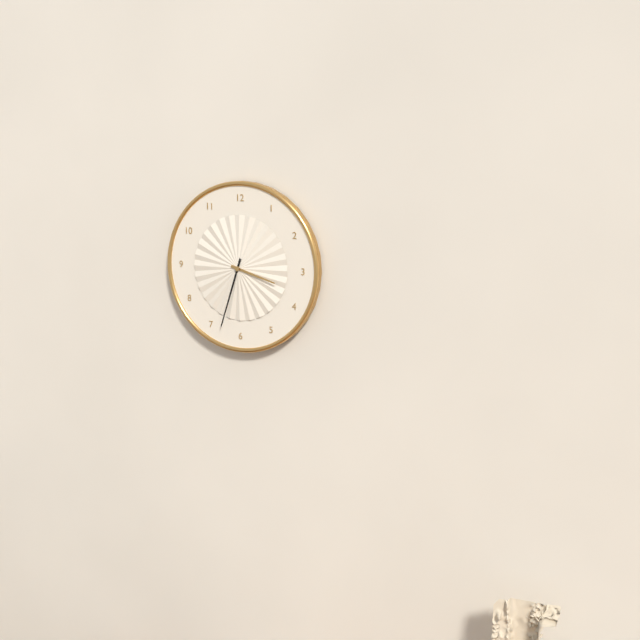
h=3 m=33
